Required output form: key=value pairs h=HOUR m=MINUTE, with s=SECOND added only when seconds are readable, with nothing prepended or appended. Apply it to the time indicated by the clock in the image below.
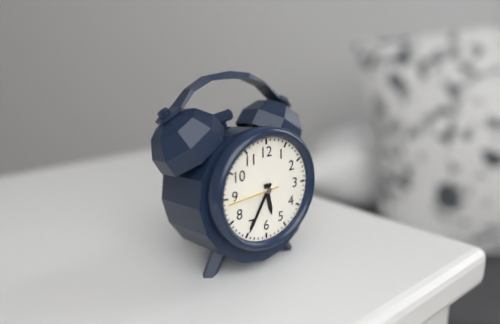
h=5 m=35 s=44
